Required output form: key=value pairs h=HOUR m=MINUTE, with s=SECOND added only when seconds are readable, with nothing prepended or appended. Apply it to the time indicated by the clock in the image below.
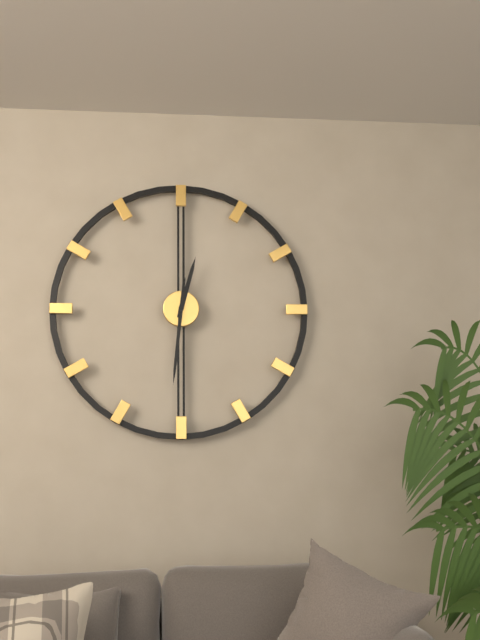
h=12 m=31
